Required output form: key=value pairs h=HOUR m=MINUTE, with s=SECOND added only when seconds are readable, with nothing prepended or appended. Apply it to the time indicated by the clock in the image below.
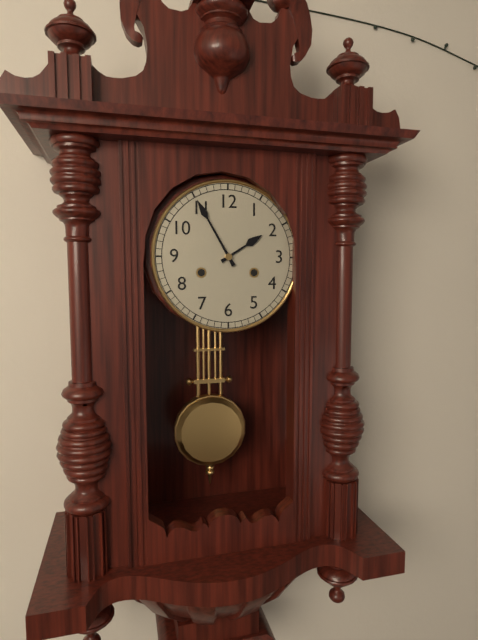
h=1 m=55
